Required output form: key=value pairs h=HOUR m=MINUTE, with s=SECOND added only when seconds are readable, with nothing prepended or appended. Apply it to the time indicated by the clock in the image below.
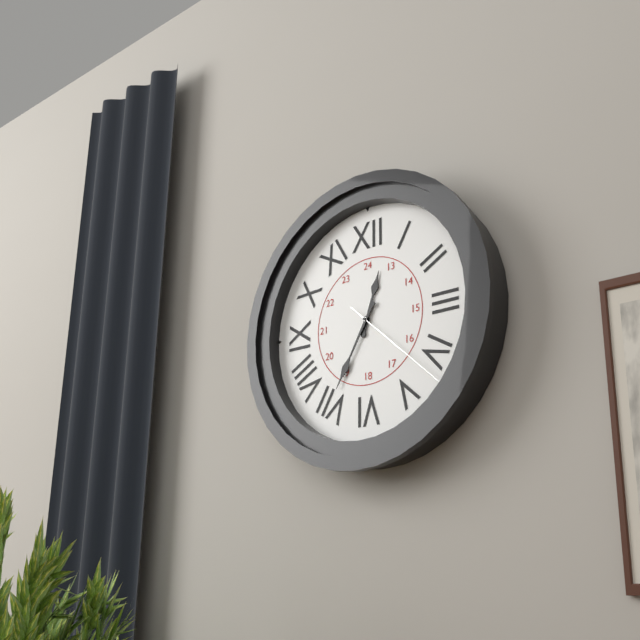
h=12 m=35 s=22
